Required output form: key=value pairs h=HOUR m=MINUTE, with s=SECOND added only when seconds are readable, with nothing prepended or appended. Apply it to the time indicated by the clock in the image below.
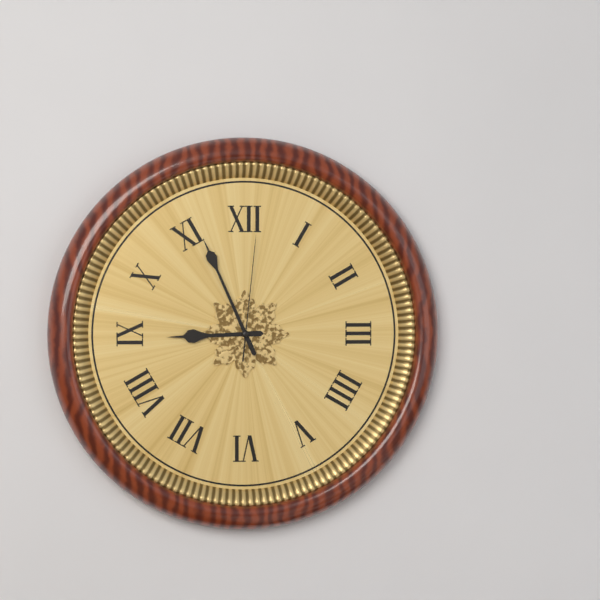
h=8 m=56 s=1
